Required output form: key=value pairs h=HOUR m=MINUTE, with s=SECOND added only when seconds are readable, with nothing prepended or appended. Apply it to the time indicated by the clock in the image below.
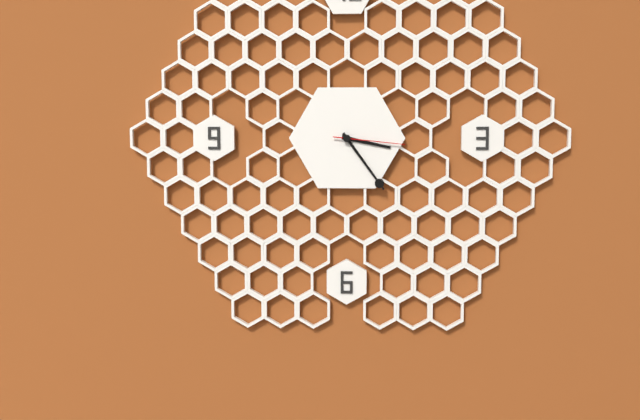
h=3 m=24 s=16
